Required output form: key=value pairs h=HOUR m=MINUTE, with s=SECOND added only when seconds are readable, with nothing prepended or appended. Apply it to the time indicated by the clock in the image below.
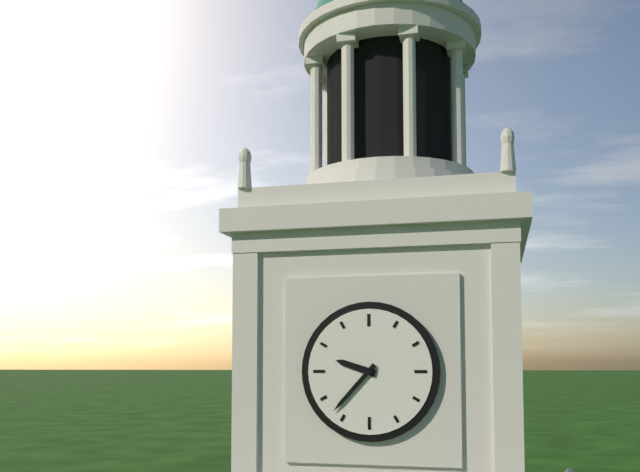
h=9 m=37
